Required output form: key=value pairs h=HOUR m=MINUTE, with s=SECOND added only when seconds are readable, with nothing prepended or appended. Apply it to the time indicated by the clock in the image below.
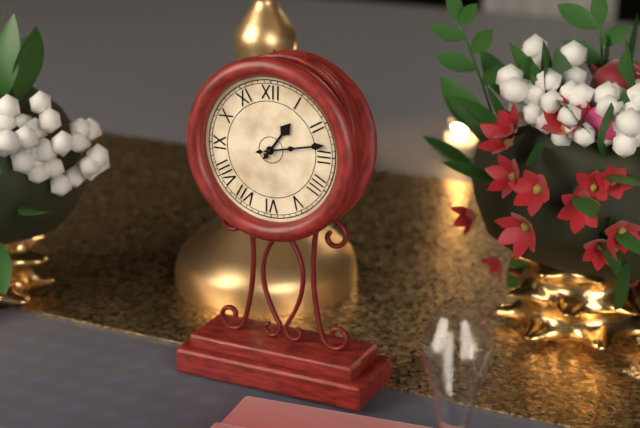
h=1 m=13
